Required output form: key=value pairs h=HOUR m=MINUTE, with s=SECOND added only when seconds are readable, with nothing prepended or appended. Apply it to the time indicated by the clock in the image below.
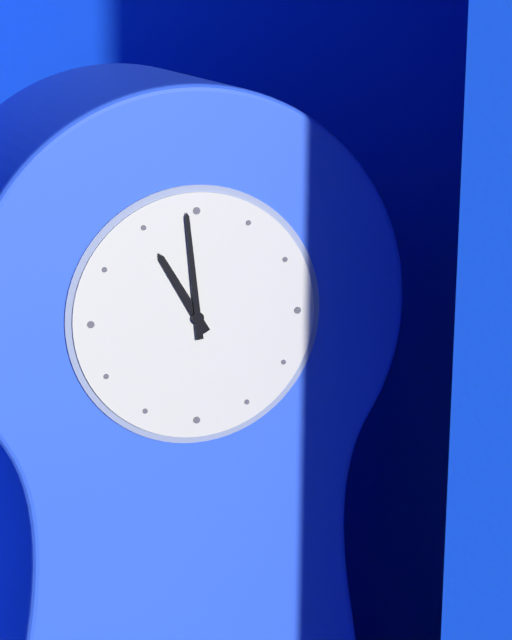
h=10 m=59
